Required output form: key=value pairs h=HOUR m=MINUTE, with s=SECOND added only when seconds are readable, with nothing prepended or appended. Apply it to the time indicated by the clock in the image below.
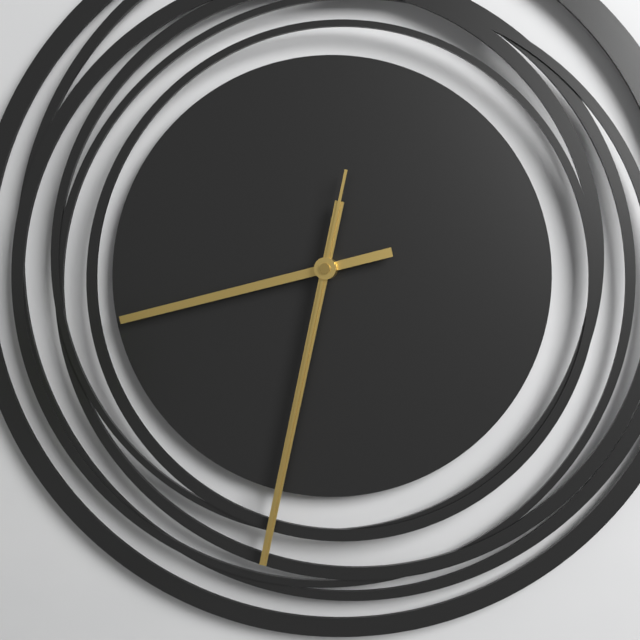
h=8 m=32 s=32
